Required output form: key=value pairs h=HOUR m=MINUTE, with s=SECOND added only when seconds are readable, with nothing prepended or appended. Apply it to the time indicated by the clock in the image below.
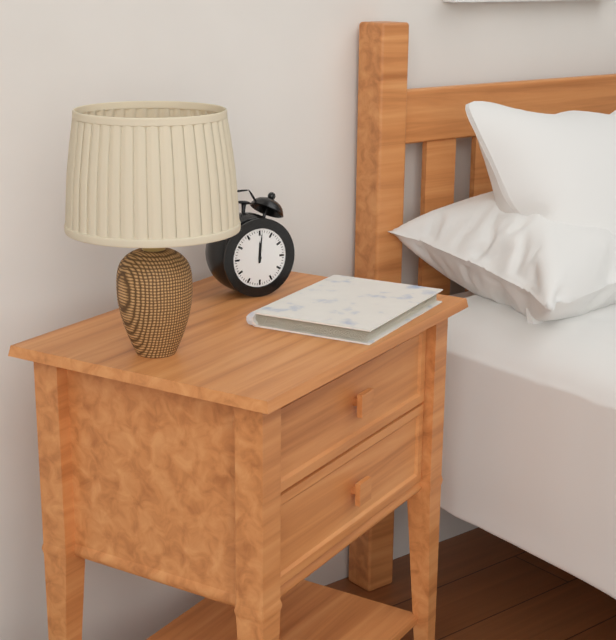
h=12 m=1
